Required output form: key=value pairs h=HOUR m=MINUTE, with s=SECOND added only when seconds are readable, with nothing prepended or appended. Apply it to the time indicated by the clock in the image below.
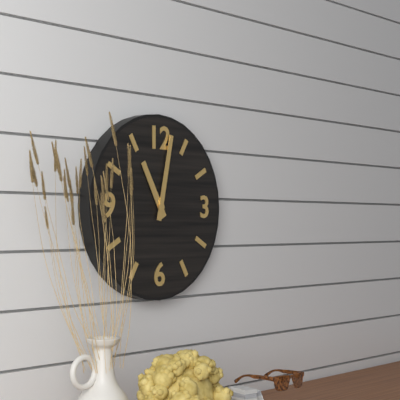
h=11 m=2
